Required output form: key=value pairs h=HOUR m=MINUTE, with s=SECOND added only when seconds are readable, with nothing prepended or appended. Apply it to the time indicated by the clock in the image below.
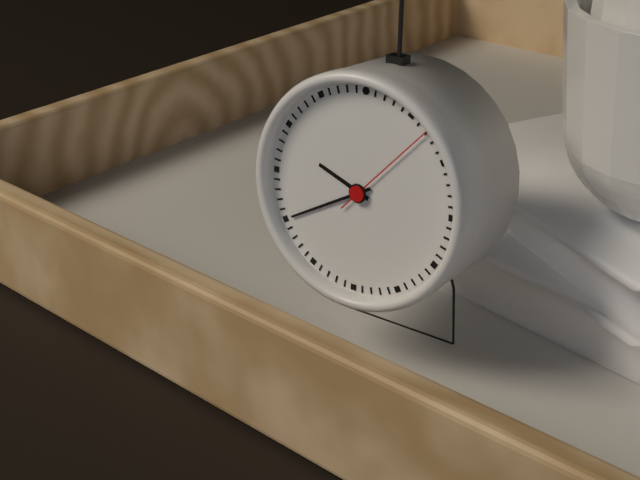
h=9 m=40 s=7
